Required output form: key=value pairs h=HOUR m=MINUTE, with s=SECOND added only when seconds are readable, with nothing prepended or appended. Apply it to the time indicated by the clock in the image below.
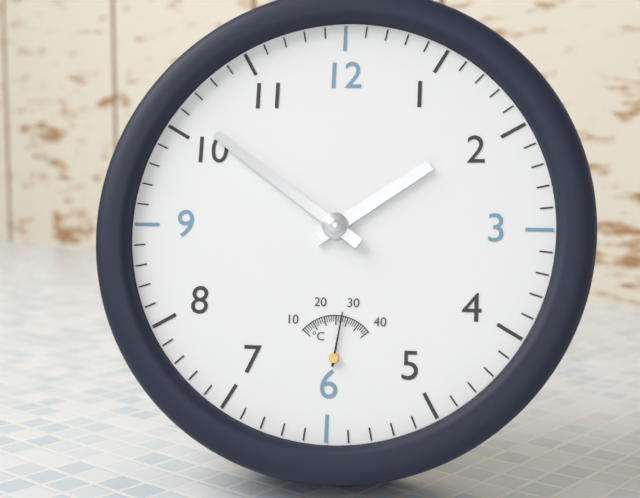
h=1 m=51
